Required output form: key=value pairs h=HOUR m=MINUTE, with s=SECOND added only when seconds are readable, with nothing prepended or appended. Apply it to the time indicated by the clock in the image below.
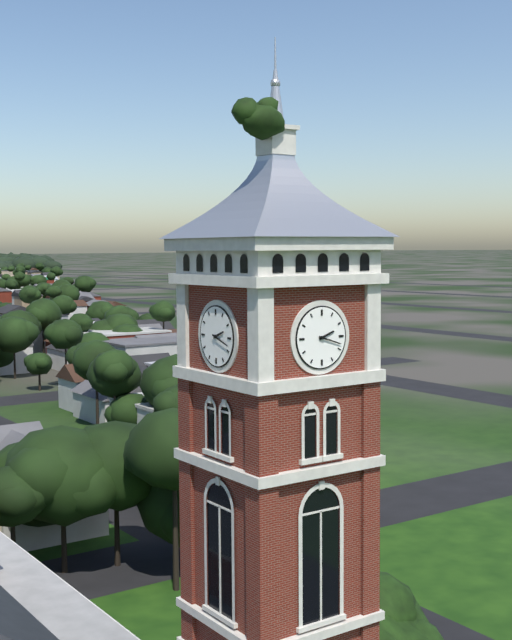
h=2 m=18
